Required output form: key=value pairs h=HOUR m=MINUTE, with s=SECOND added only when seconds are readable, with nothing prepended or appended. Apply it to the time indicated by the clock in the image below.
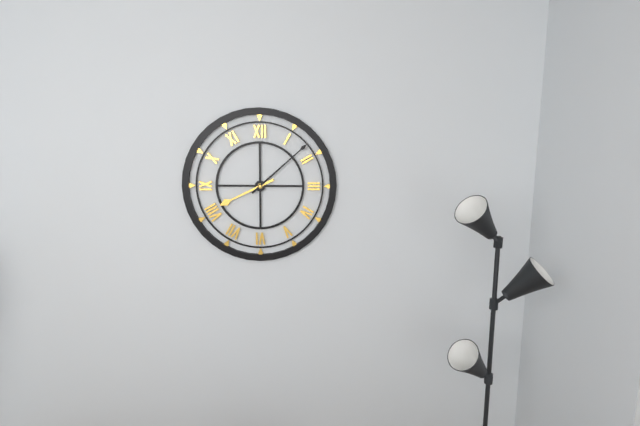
h=8 m=8
